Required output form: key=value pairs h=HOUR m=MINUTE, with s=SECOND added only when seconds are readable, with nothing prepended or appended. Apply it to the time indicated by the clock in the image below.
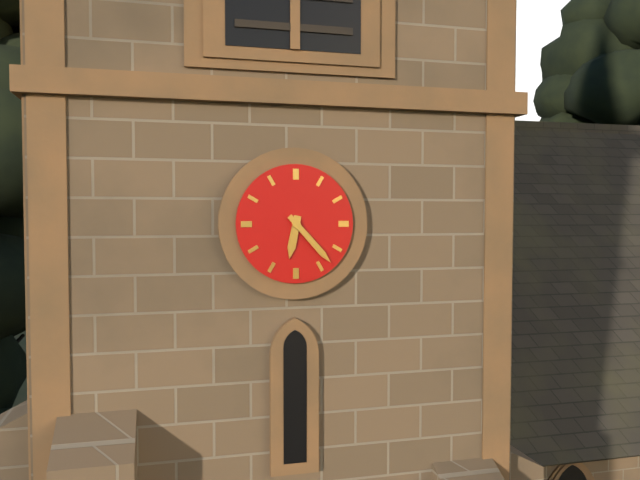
h=6 m=23
